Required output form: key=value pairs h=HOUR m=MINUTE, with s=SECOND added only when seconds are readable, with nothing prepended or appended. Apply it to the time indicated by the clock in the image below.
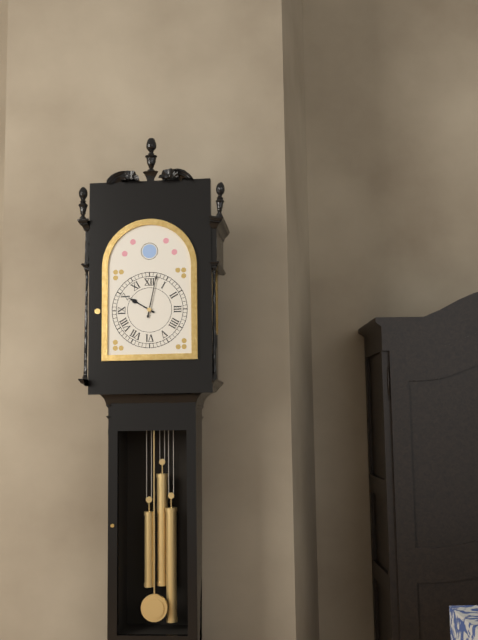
h=10 m=2
